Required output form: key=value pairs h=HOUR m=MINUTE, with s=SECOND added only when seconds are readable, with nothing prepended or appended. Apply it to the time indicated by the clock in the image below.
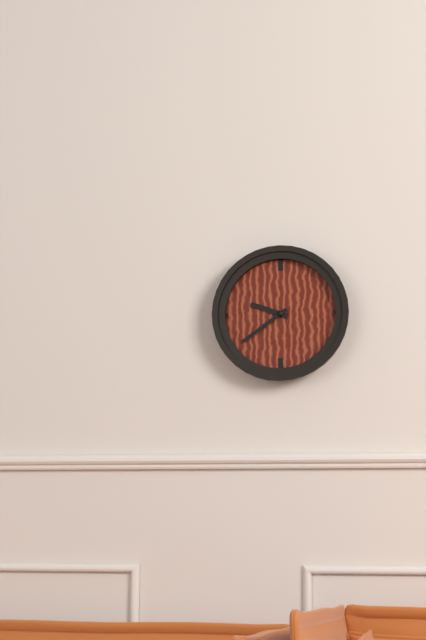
h=9 m=39
